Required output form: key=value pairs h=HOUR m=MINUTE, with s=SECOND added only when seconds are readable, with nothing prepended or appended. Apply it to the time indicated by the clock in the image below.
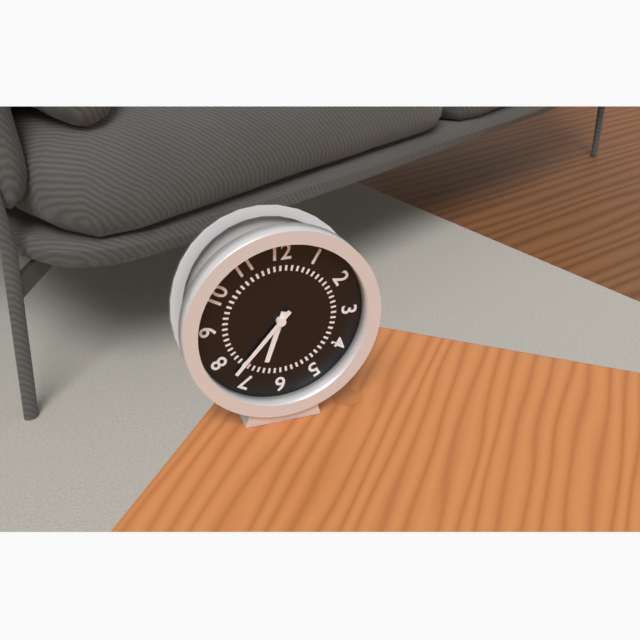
h=6 m=37
